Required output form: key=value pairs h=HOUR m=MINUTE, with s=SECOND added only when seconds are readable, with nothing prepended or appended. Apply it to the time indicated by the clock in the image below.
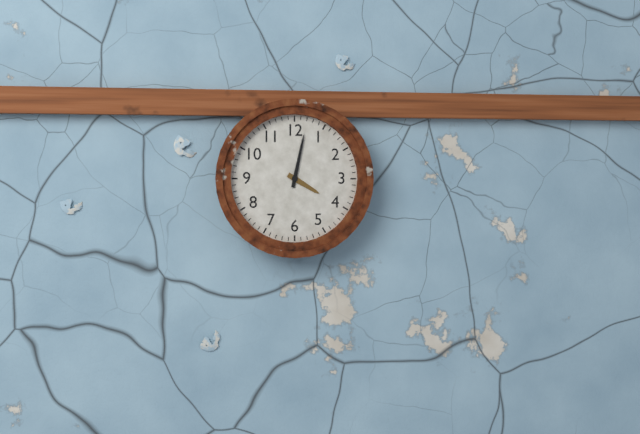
h=4 m=2
